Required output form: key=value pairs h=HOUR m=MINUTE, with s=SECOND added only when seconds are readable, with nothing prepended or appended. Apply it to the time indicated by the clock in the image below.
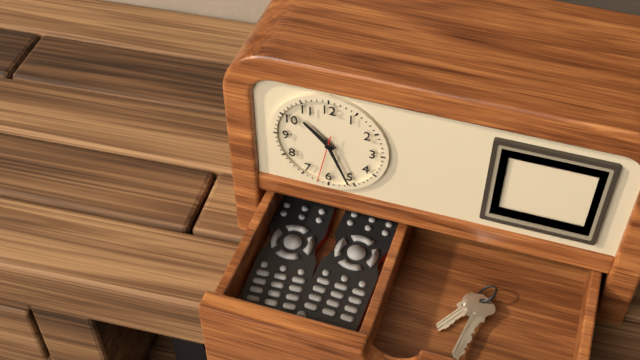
h=10 m=26
